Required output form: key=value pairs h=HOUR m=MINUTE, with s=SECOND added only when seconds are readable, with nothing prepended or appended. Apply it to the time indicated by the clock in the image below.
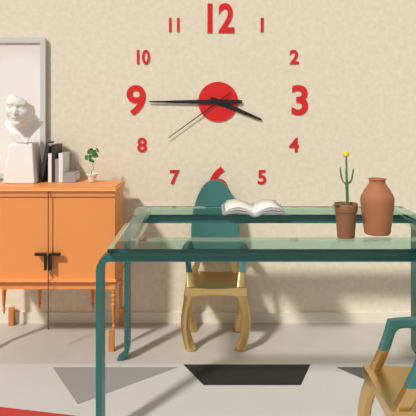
h=3 m=45 s=39
